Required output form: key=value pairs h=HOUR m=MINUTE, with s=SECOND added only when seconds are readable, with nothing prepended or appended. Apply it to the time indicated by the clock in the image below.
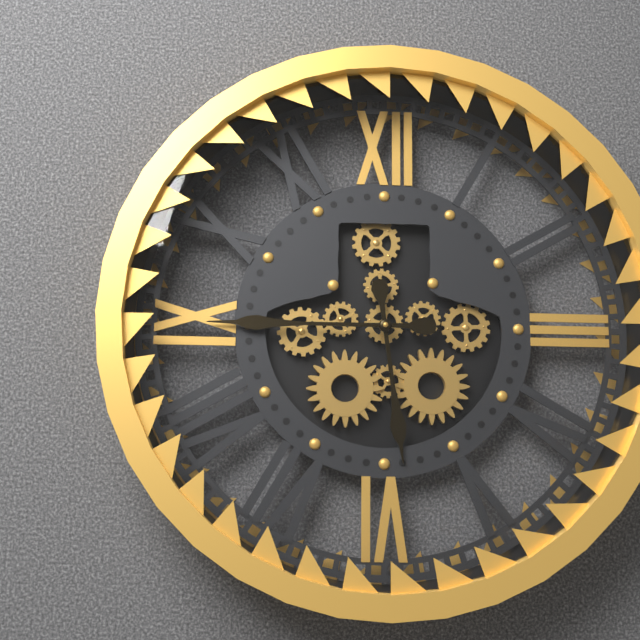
h=5 m=45
